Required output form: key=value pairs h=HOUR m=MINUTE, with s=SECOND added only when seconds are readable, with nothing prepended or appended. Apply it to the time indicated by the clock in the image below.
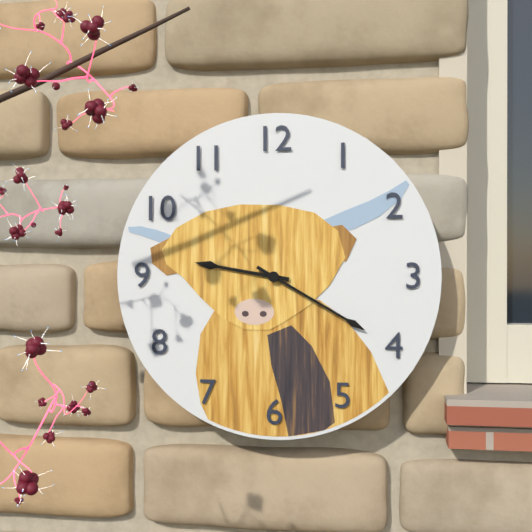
h=9 m=20
